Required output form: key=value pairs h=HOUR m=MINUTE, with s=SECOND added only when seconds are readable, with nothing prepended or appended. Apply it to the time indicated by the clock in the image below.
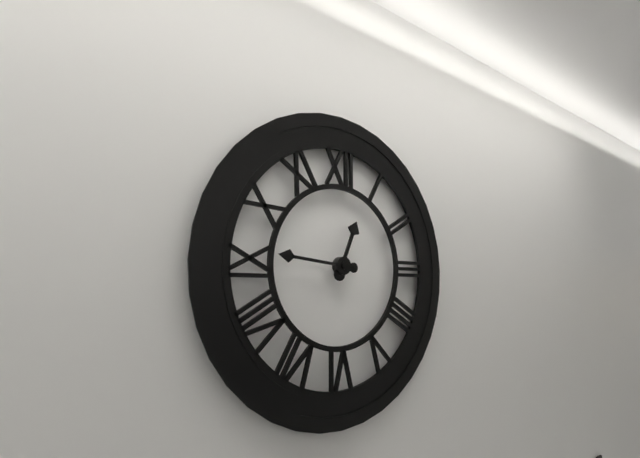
h=12 m=46
